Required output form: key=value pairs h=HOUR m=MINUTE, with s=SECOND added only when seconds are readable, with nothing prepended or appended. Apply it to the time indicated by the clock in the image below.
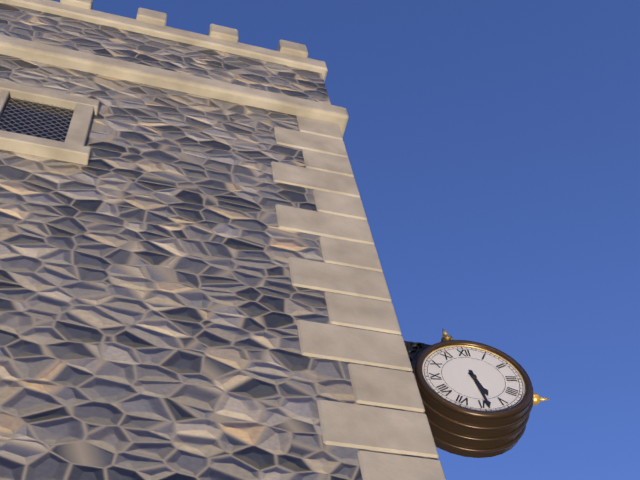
h=5 m=29
